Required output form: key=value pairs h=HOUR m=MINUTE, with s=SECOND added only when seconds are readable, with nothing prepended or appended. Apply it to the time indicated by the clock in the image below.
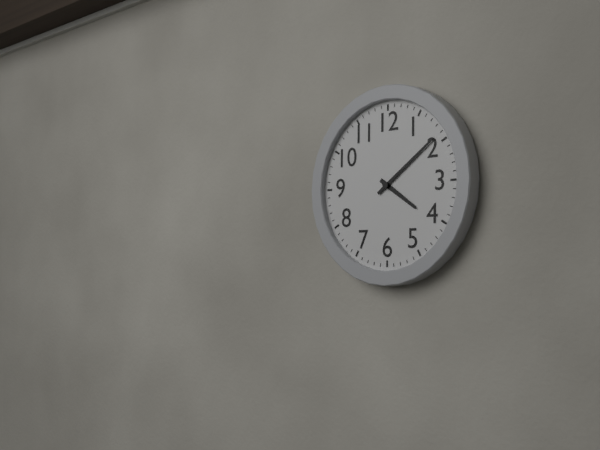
h=4 m=9
